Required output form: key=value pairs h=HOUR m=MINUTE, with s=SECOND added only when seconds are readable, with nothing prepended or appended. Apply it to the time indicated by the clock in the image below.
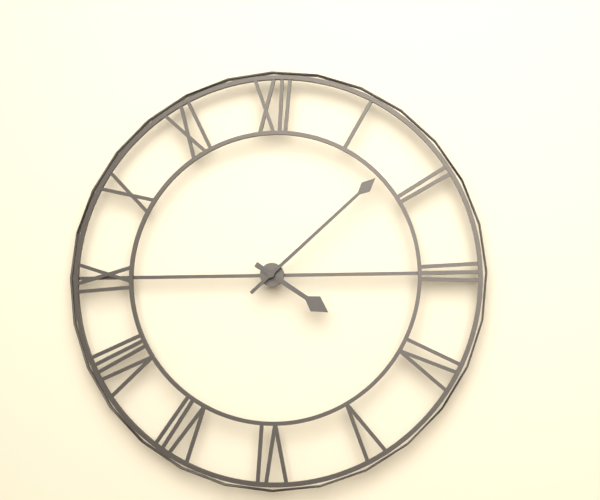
h=4 m=8
